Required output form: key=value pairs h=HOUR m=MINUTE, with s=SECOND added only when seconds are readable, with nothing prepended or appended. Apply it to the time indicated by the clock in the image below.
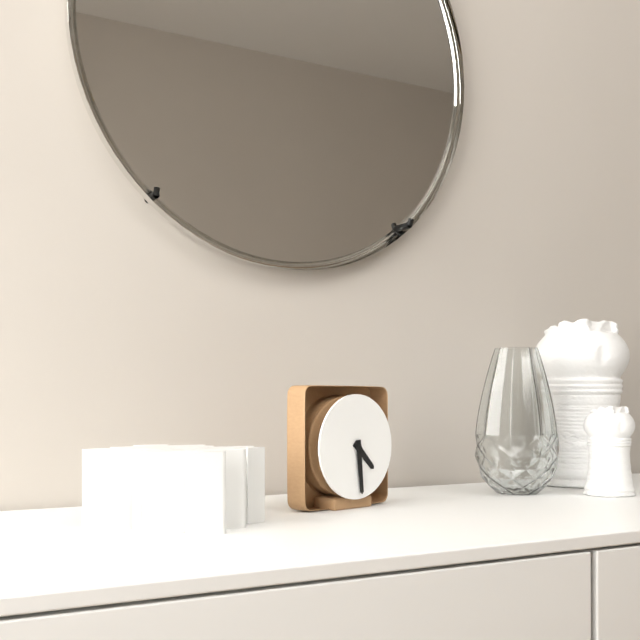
h=4 m=29
